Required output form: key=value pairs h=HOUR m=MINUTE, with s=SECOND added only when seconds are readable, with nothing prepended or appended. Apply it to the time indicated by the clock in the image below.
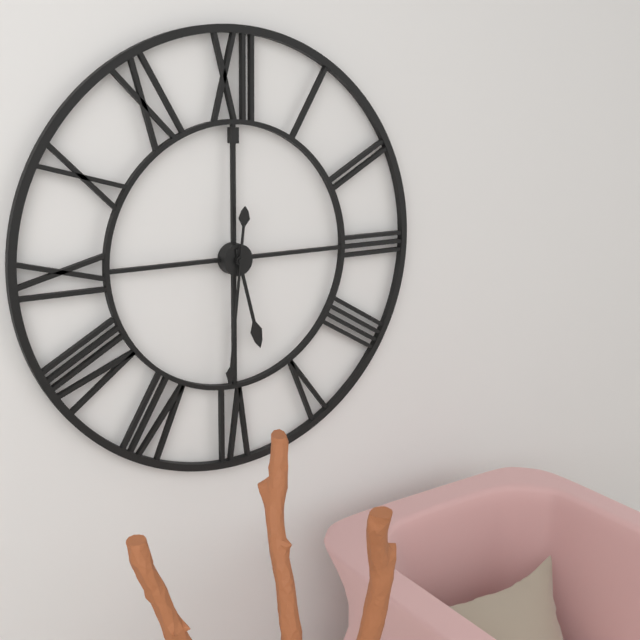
h=5 m=31
